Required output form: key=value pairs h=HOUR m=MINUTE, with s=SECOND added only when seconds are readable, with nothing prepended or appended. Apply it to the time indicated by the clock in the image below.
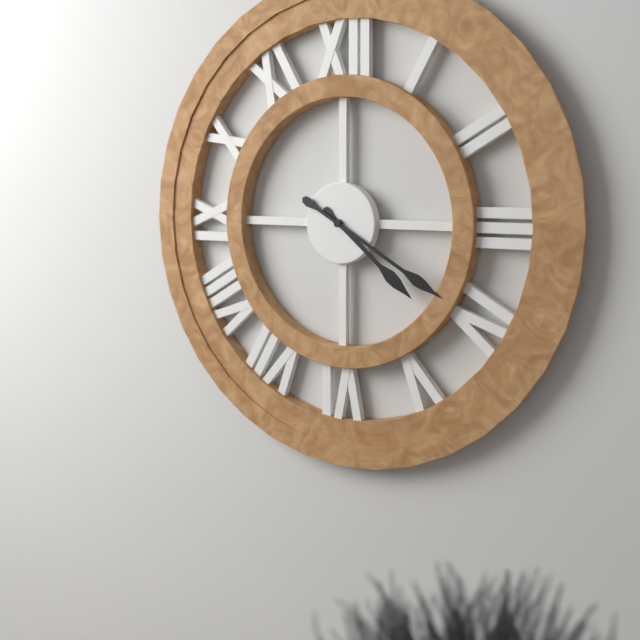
h=4 m=20
